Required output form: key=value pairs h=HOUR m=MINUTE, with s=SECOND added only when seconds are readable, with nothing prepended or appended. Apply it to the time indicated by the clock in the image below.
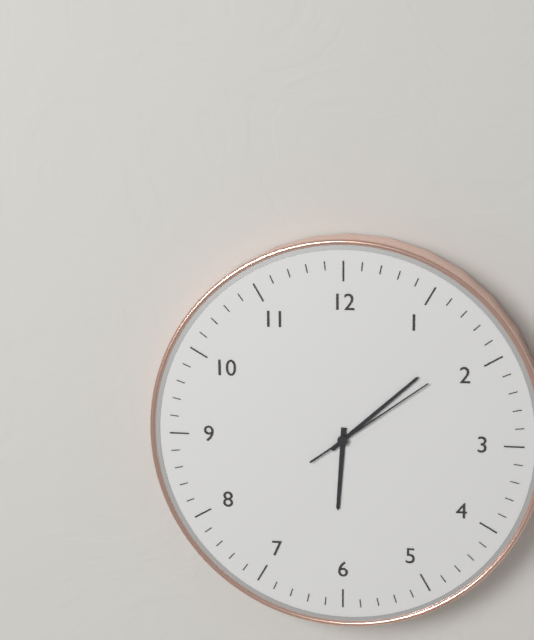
h=6 m=8 s=9
